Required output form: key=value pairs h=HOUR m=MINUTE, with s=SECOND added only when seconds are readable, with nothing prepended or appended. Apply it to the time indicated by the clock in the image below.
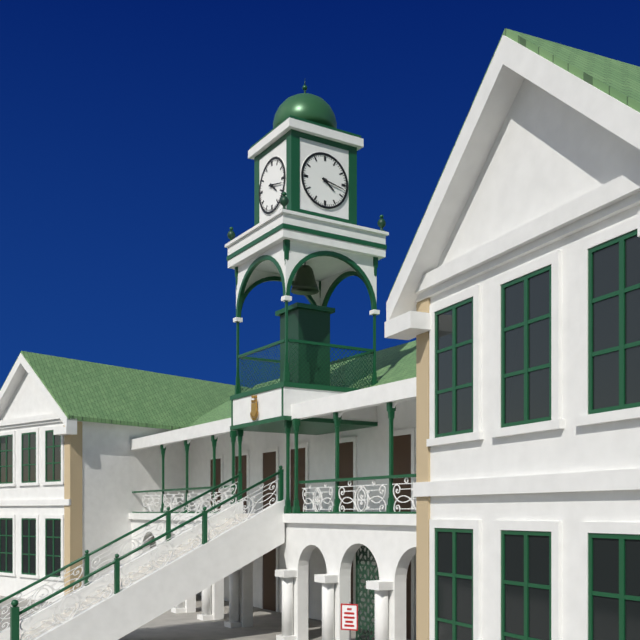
h=4 m=17
